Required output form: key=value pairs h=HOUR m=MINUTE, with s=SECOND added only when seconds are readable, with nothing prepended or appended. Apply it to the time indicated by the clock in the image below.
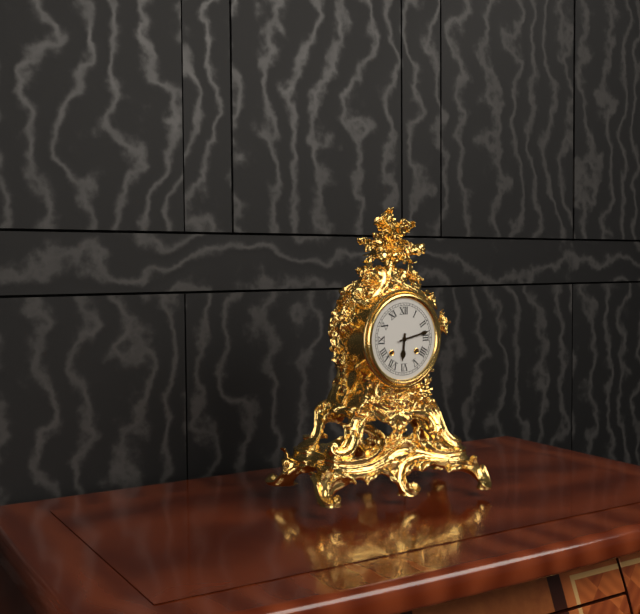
h=6 m=13
